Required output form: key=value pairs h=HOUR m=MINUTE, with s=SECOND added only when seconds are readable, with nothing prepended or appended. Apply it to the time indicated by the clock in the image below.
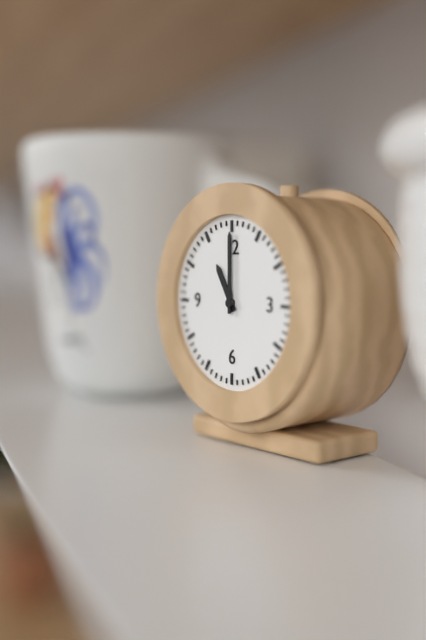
h=11 m=0
